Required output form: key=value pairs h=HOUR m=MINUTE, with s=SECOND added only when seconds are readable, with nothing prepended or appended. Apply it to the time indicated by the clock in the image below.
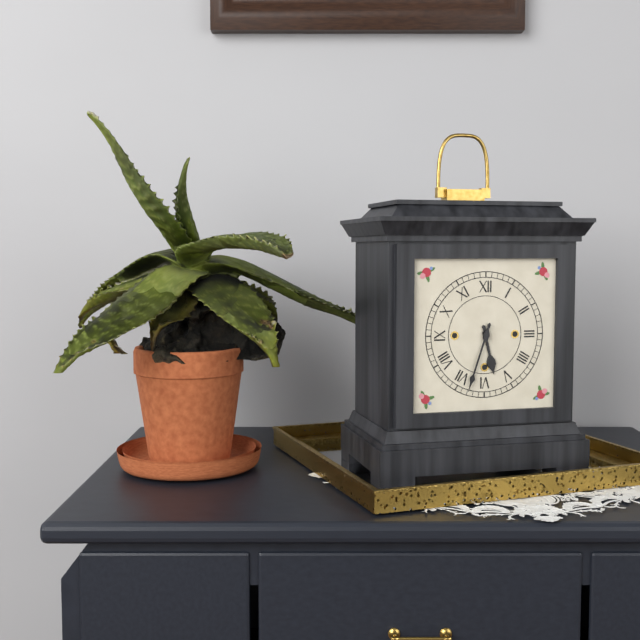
h=5 m=33
